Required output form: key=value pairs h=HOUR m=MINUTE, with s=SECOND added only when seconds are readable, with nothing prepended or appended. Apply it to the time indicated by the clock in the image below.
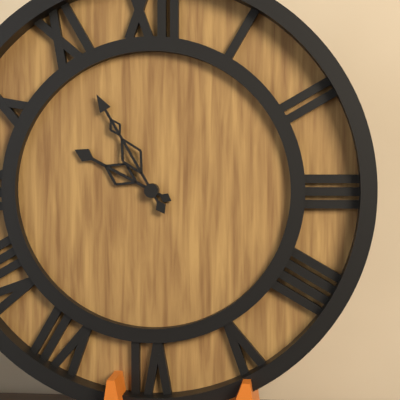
h=9 m=55
